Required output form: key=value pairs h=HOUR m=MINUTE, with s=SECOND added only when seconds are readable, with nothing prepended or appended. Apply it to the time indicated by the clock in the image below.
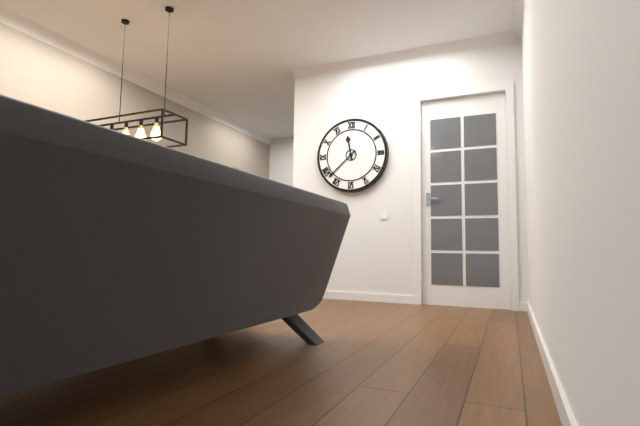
h=11 m=38
